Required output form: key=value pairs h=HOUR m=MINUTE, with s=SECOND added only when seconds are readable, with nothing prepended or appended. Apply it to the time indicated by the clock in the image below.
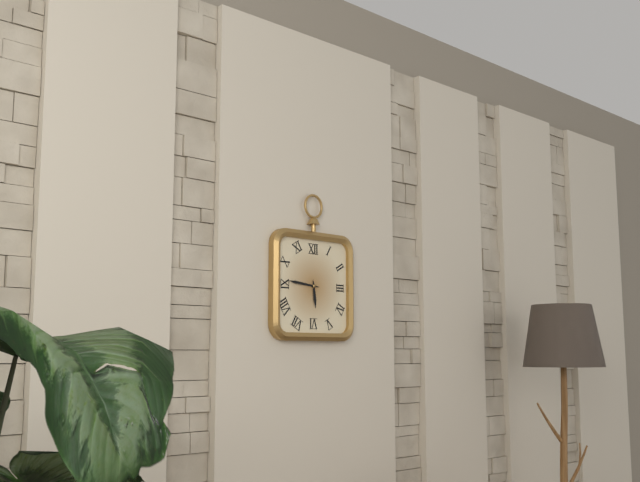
h=5 m=46
